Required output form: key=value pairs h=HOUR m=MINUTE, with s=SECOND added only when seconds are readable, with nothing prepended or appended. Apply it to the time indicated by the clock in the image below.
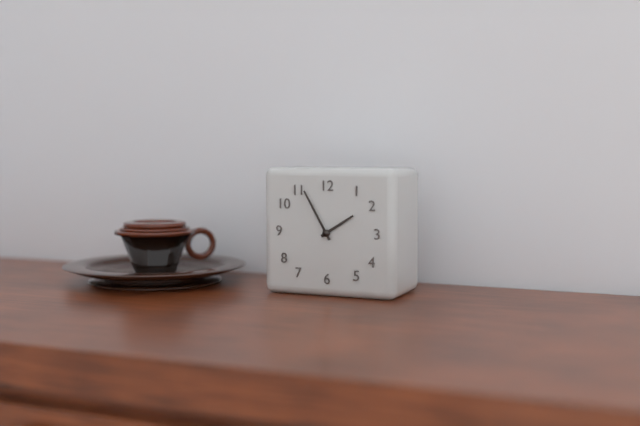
h=1 m=55
